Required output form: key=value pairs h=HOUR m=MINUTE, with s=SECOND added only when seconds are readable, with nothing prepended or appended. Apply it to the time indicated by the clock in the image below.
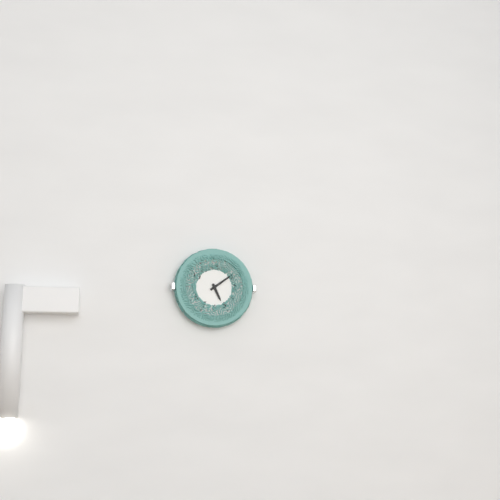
h=5 m=9
